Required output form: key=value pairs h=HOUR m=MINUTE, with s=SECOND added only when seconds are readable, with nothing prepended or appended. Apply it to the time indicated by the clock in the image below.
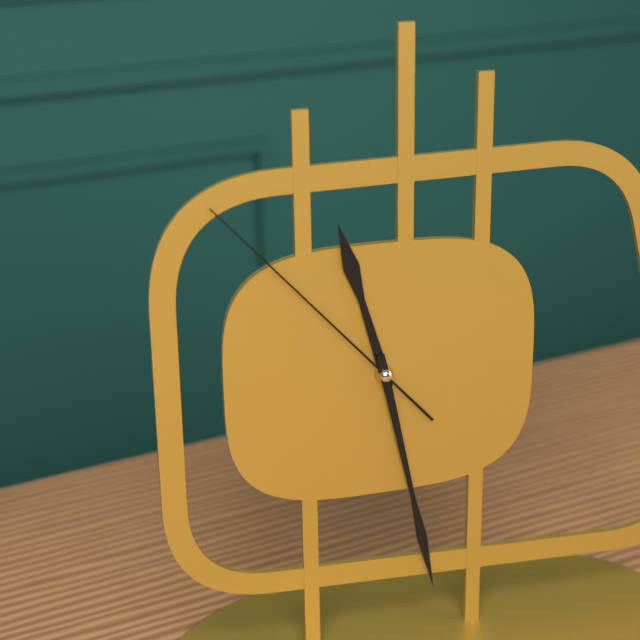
h=11 m=28 s=53
